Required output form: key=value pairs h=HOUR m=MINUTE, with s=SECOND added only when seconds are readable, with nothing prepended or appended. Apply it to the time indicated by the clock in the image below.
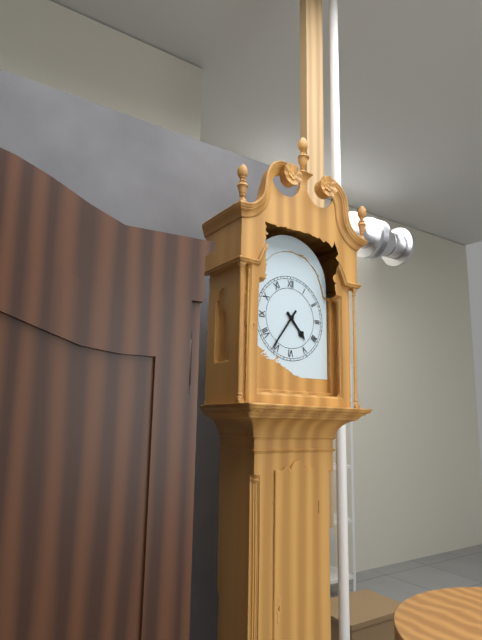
h=4 m=36
